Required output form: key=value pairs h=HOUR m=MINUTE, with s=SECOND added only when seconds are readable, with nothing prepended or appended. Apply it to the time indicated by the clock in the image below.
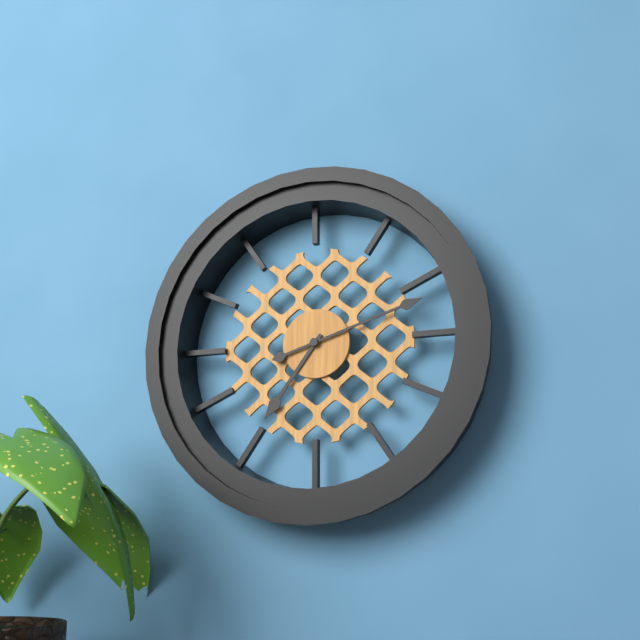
h=7 m=12
